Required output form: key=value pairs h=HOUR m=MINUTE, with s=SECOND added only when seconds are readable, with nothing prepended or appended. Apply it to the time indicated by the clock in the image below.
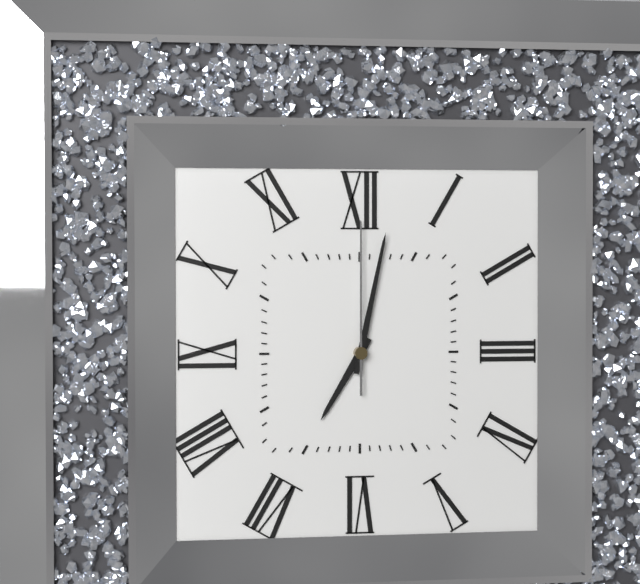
h=7 m=2 s=0
